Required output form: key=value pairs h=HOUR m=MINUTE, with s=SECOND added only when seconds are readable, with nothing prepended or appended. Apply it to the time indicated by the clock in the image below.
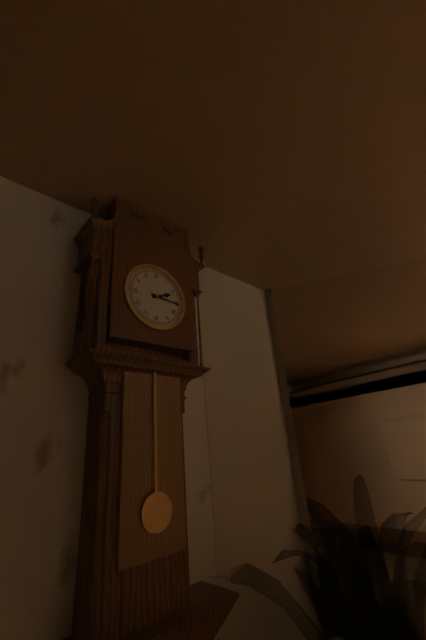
h=2 m=16
